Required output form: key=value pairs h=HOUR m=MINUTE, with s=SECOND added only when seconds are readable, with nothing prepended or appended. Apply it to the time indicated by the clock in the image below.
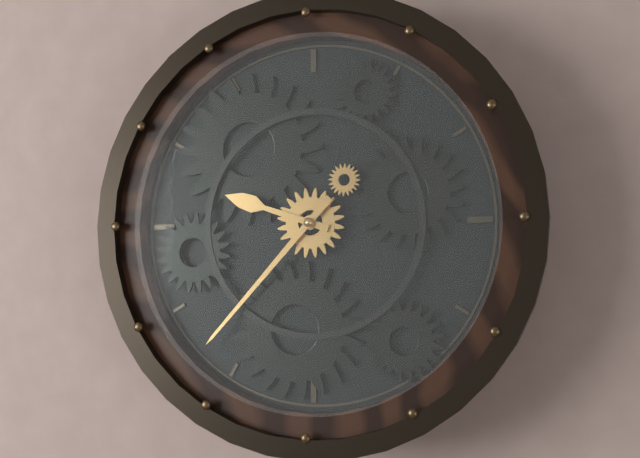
h=9 m=37
